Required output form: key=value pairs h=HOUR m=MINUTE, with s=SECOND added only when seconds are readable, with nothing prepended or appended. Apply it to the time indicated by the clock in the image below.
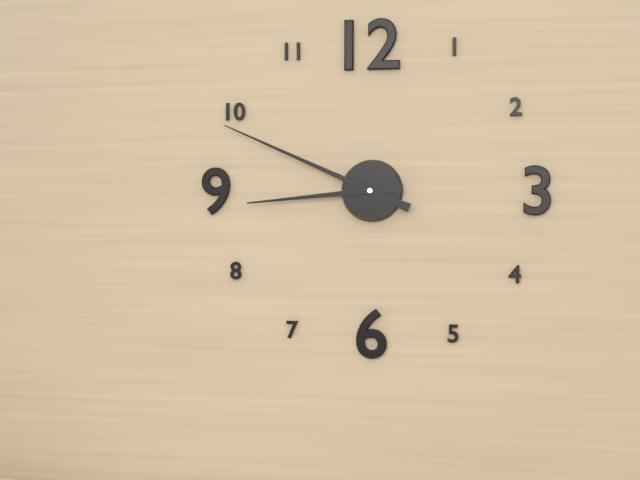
h=8 m=49
